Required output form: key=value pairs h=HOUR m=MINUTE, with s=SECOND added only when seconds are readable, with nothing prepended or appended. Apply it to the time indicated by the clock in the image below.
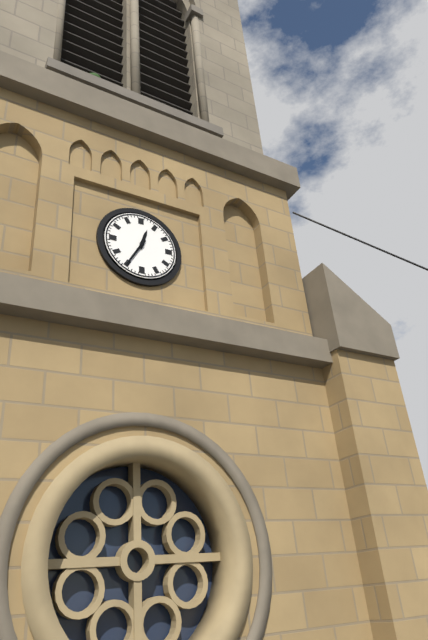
h=12 m=35
